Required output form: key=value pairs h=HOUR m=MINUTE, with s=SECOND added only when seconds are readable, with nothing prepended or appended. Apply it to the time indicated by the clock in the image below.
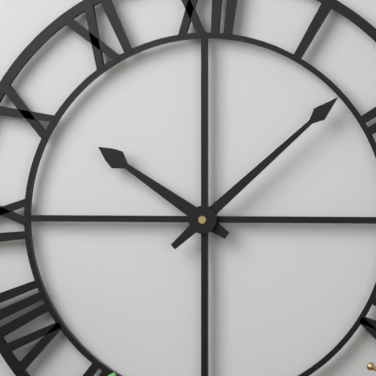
h=10 m=8
